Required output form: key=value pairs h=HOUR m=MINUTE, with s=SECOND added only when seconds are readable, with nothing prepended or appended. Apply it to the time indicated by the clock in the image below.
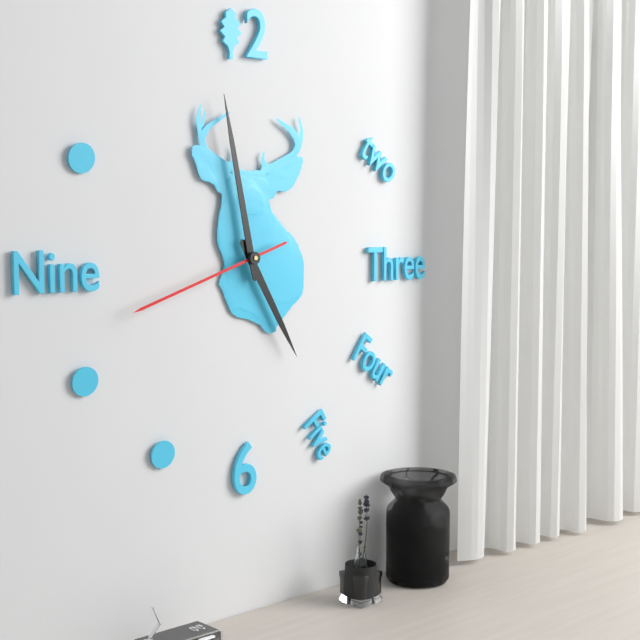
h=4 m=58 s=42
